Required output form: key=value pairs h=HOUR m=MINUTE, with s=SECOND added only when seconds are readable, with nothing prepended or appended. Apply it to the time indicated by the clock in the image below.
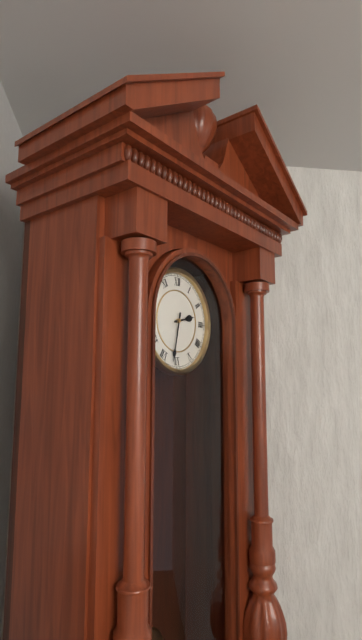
h=2 m=32
